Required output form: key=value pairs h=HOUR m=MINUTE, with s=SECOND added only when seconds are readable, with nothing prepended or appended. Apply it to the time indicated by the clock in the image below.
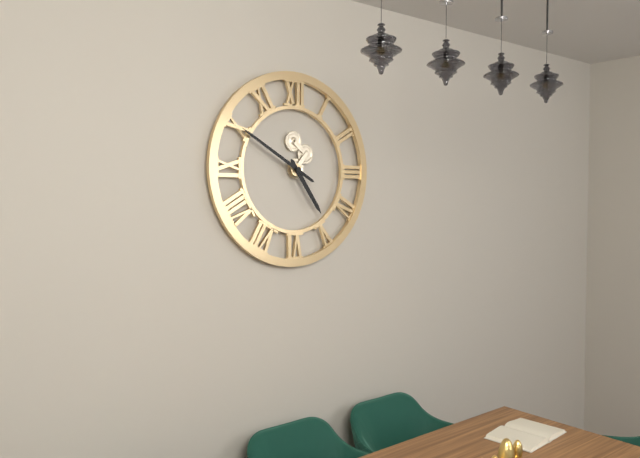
h=4 m=50
